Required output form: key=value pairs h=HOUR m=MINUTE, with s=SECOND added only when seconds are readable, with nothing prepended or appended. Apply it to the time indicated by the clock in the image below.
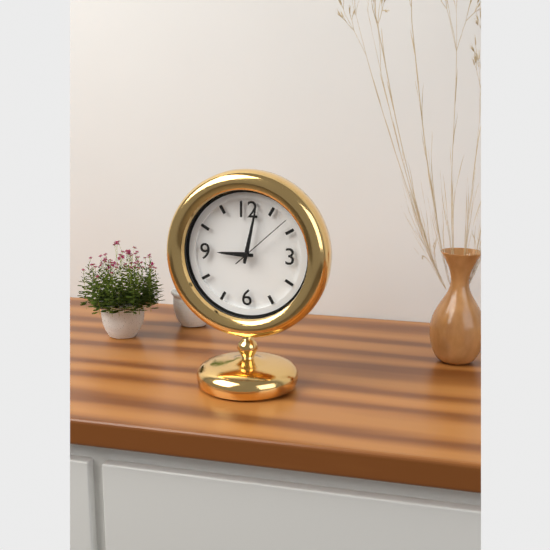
h=9 m=2 s=8
